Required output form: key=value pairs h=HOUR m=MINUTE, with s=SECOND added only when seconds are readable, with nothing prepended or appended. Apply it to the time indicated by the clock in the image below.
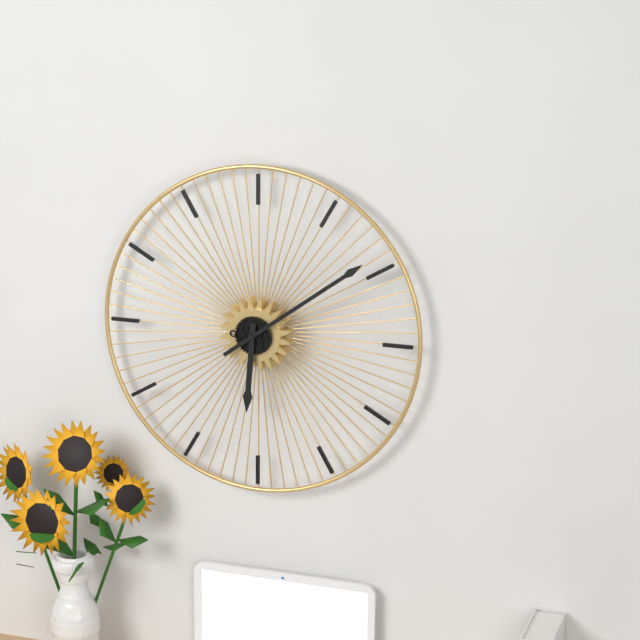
h=6 m=9
